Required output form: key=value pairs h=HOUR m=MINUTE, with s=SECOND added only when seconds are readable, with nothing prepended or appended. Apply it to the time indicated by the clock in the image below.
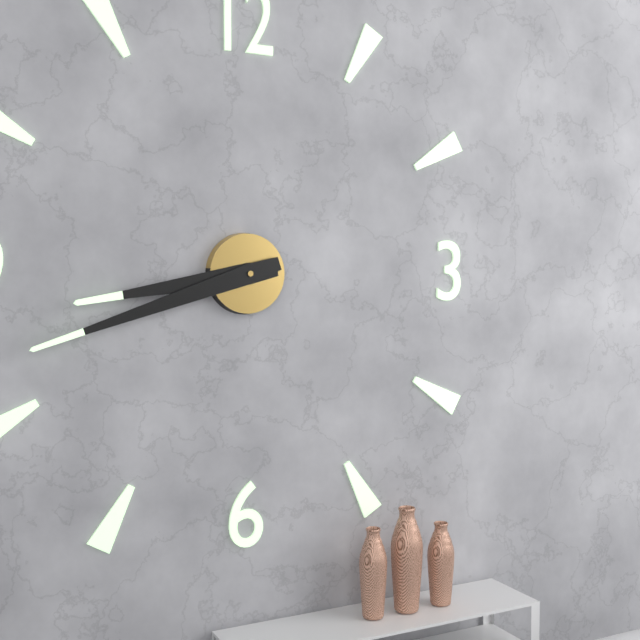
h=8 m=42
